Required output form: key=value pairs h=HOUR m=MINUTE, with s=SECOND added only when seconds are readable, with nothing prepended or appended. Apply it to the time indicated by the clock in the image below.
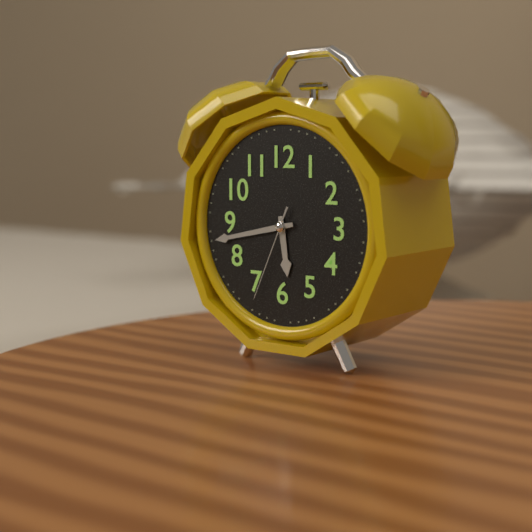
h=5 m=43 s=34
